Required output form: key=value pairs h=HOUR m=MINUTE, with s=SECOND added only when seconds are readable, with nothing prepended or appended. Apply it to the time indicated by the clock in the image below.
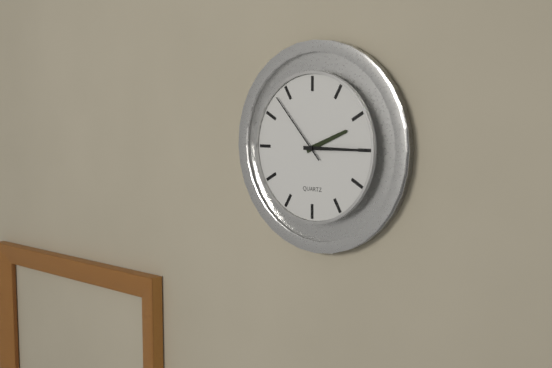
h=2 m=15 s=53
